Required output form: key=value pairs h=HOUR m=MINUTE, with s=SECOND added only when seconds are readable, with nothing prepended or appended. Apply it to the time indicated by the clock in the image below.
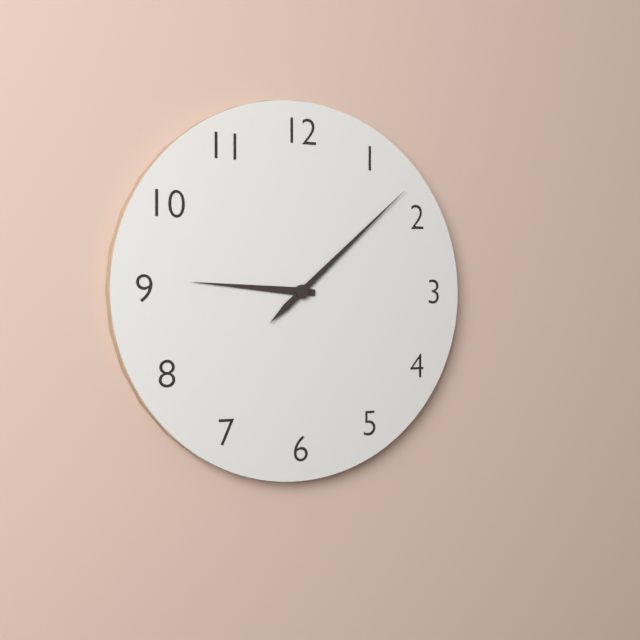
h=9 m=8
